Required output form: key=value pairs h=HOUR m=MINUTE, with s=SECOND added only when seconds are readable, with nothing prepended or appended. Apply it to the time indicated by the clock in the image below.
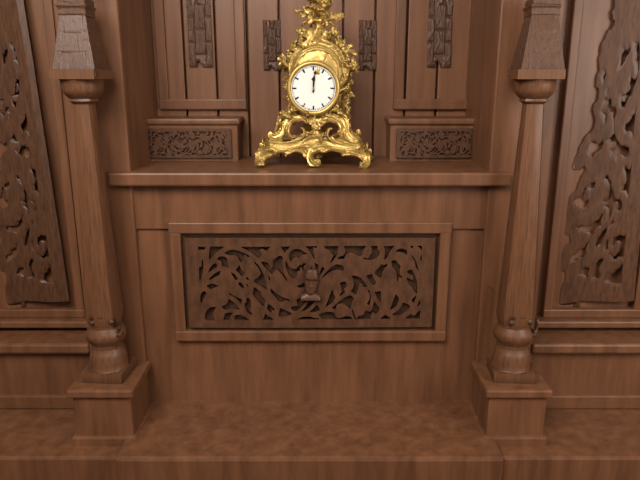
h=12 m=1
